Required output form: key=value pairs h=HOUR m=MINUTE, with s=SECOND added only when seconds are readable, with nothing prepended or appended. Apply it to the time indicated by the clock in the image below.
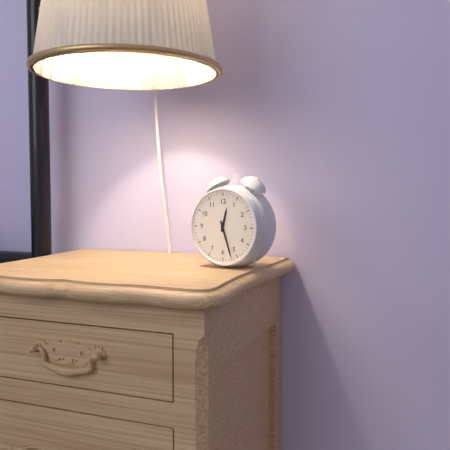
h=12 m=27
